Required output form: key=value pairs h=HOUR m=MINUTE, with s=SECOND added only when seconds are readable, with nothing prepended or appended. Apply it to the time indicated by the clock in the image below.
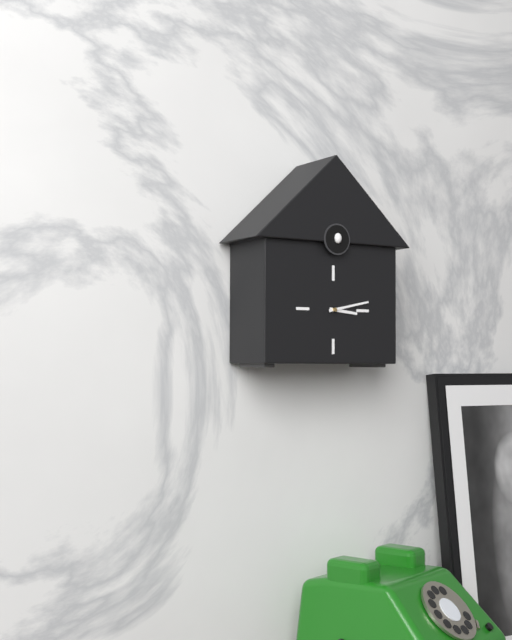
h=3 m=13
